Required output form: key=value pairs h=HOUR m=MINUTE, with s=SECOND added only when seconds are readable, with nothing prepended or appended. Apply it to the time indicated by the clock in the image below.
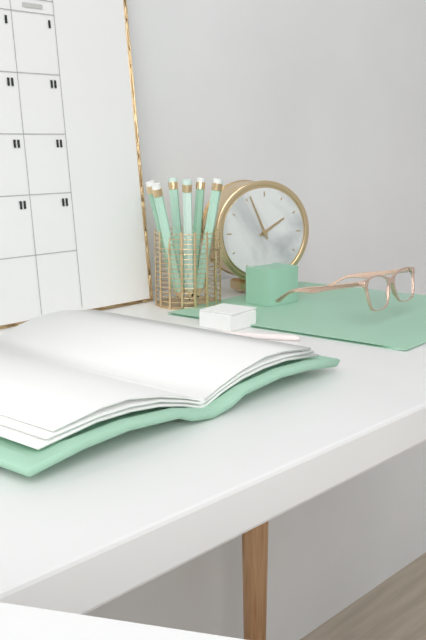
h=1 m=56
